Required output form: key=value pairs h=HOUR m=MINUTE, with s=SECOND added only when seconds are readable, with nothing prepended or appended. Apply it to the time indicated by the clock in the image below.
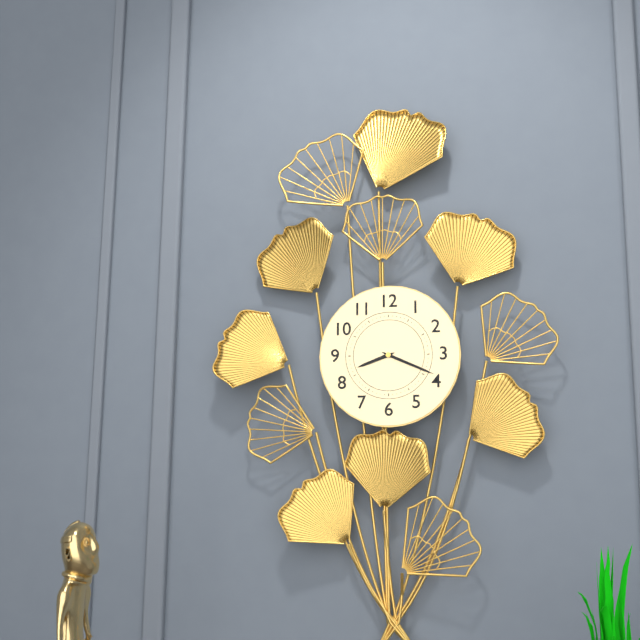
h=8 m=19
